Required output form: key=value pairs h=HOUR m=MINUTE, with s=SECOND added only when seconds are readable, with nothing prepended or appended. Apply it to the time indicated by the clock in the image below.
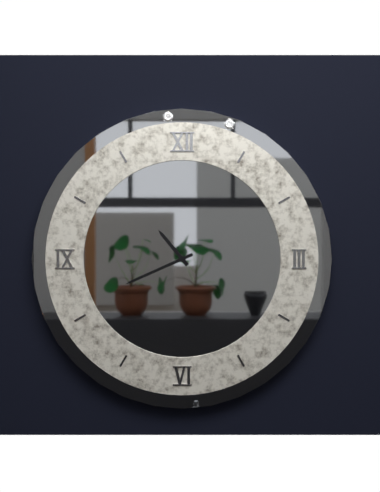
h=10 m=41
